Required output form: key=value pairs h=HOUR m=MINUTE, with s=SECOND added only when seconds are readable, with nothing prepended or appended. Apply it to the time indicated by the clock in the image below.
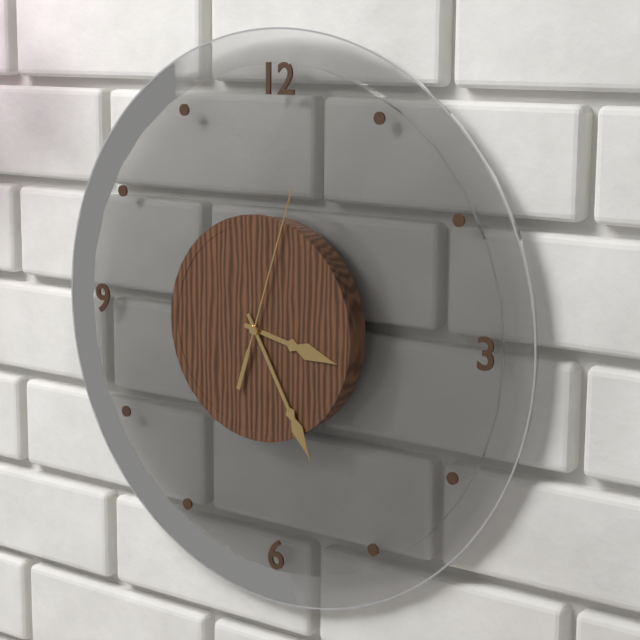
h=3 m=25 s=3
